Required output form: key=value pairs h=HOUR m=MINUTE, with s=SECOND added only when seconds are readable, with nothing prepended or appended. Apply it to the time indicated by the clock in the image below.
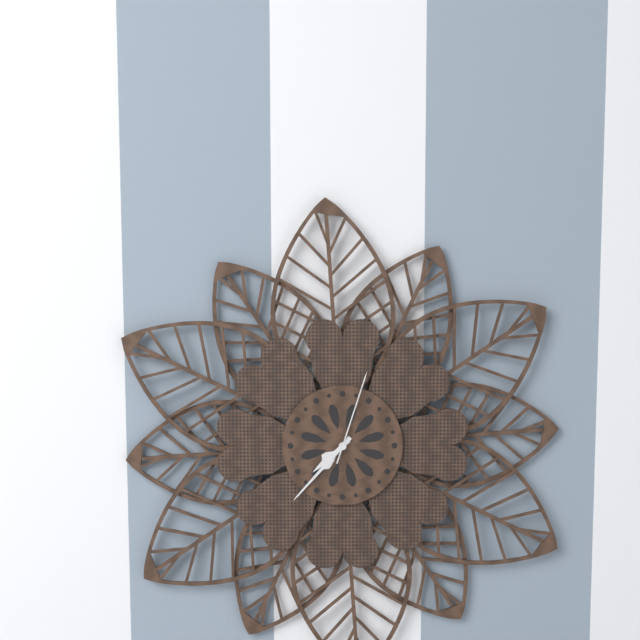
h=7 m=37 s=3
